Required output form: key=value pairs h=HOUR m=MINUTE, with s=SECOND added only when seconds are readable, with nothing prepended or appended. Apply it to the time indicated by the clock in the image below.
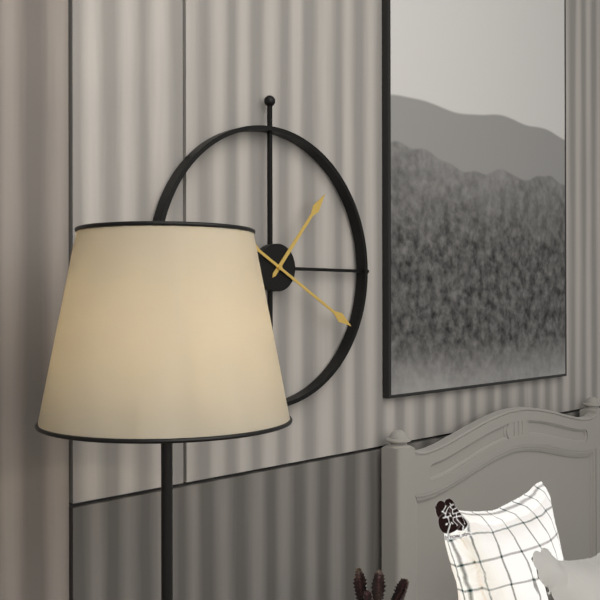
h=1 m=20
